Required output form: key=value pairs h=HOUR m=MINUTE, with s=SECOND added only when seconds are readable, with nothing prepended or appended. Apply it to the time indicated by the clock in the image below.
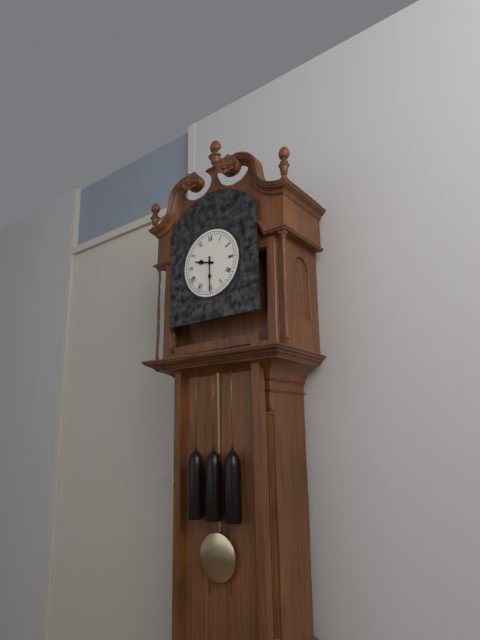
h=9 m=30
